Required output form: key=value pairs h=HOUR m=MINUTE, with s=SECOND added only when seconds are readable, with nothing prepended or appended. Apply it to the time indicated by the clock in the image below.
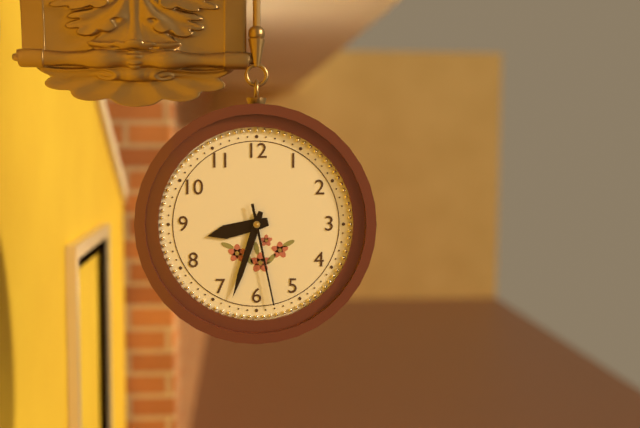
h=8 m=33 s=28
